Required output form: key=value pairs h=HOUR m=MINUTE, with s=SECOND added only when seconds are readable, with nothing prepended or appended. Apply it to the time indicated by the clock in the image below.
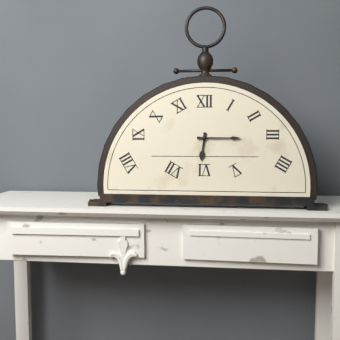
h=6 m=15
